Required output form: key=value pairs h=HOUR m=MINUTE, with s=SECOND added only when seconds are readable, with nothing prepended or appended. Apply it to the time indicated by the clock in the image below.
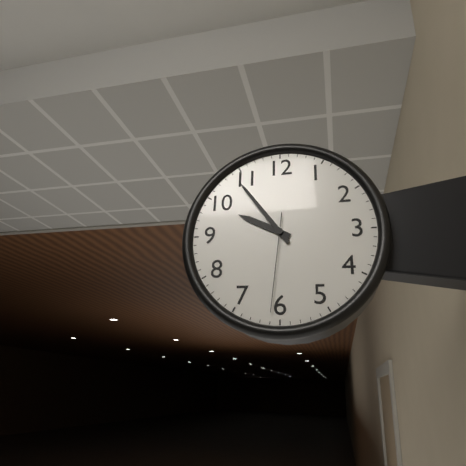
h=9 m=54 s=31
